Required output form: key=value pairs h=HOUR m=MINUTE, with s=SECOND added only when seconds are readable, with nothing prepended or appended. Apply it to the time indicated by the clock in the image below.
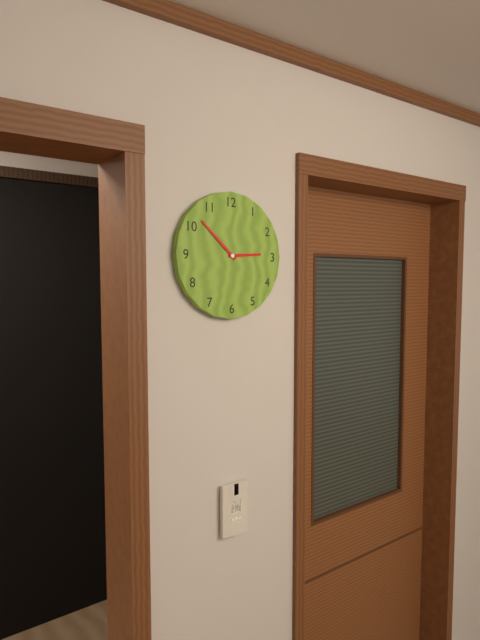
h=2 m=52
